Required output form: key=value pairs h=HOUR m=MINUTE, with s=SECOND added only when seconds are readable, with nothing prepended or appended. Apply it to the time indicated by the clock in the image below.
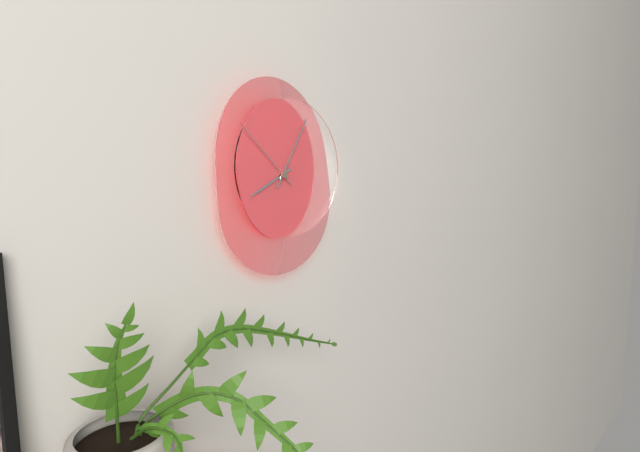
h=8 m=5 s=52
